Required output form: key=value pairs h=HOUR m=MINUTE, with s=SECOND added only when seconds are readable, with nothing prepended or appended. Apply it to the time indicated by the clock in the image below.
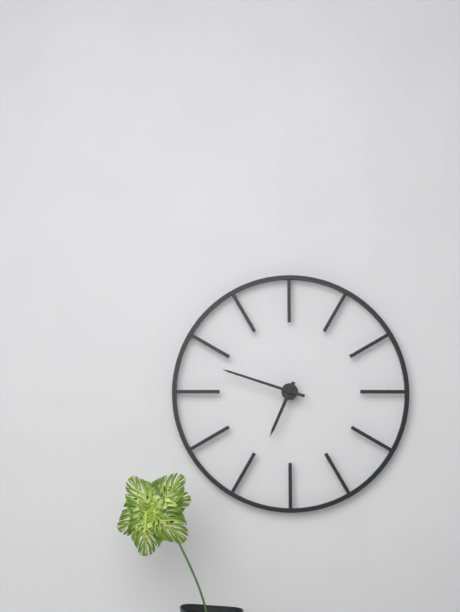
h=6 m=48
